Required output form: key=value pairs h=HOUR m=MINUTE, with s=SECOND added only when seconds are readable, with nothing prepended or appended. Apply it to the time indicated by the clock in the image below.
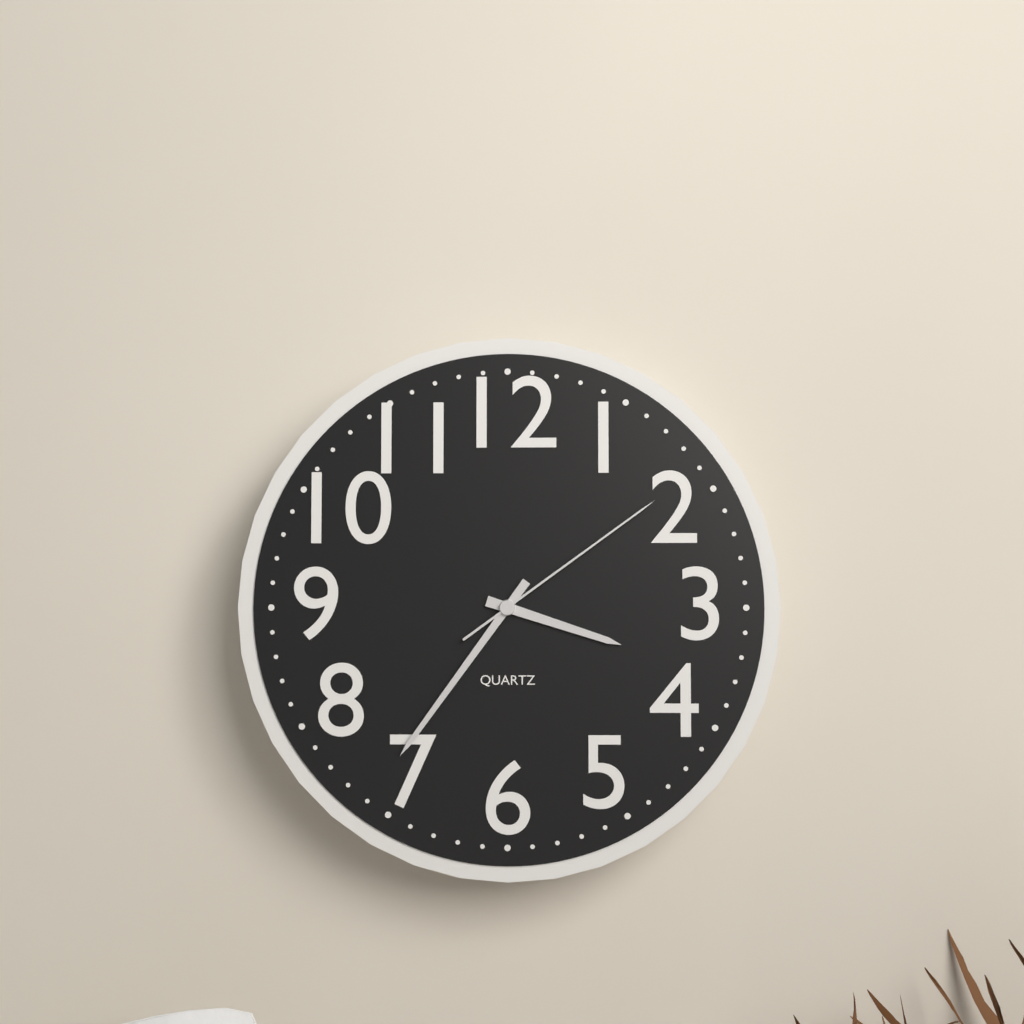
h=3 m=36 s=9
